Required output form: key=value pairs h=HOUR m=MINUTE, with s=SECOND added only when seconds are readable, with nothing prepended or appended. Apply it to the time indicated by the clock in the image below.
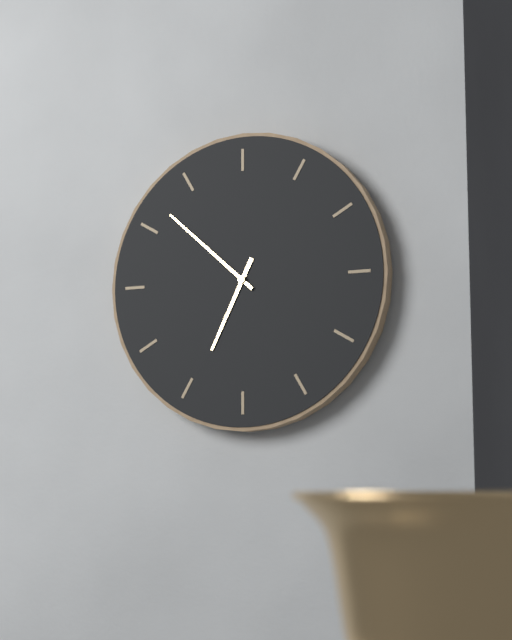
h=6 m=52
